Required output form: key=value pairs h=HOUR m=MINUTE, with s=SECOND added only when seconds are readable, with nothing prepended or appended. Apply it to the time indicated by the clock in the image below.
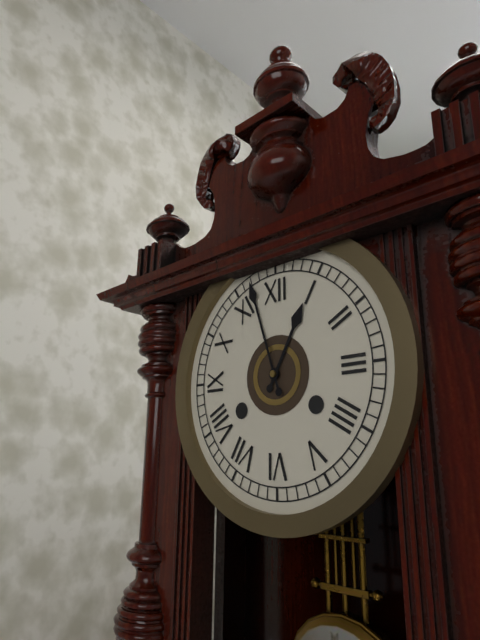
h=12 m=57
